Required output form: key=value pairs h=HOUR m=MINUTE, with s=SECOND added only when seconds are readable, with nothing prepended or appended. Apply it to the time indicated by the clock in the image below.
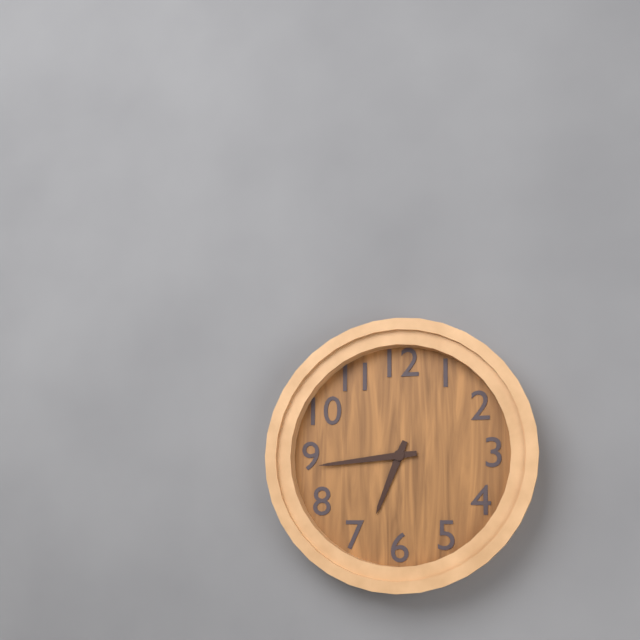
h=6 m=44
